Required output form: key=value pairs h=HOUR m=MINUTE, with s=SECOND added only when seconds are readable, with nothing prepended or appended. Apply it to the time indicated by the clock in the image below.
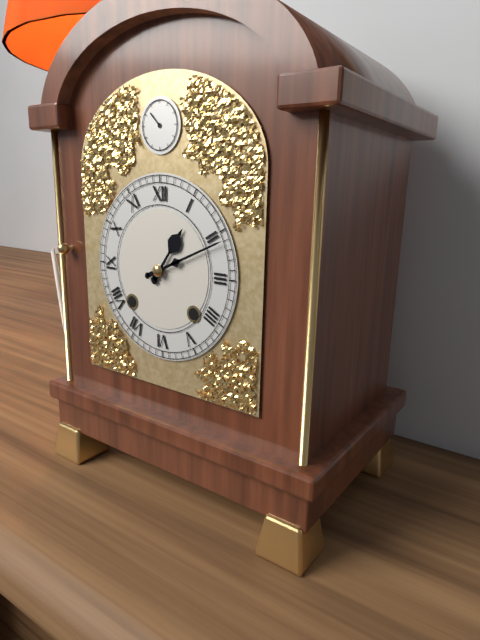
h=1 m=11
